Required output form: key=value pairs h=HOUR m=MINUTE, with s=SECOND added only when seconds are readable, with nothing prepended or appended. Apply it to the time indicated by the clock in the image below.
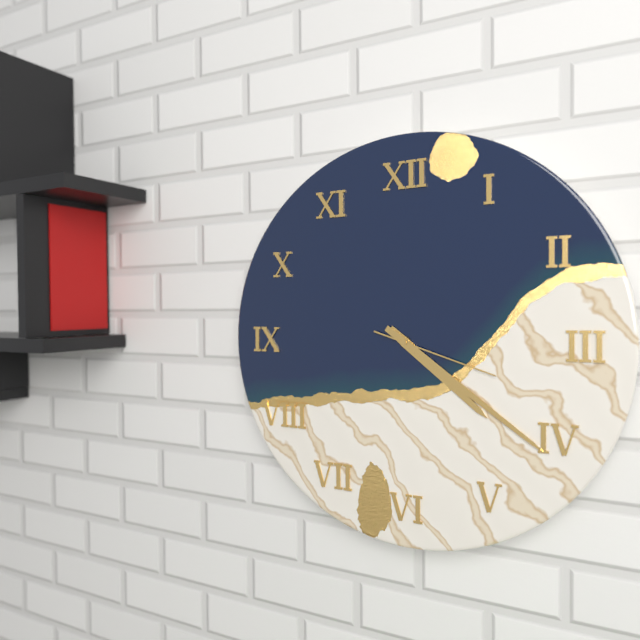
h=4 m=21 s=18
